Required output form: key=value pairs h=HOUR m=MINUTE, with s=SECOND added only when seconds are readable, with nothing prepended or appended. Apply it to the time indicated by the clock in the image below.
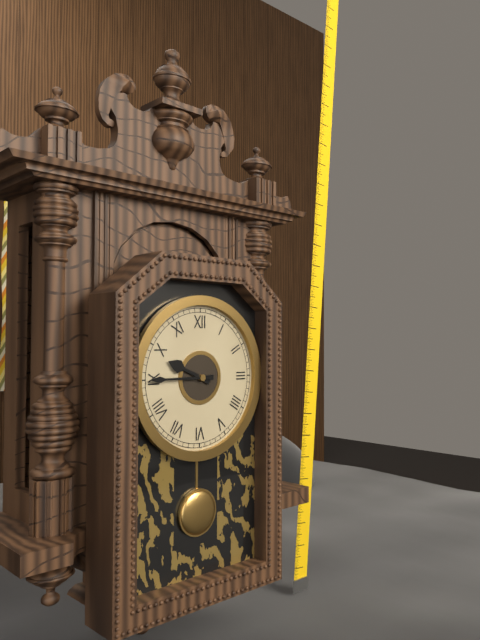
h=9 m=45
